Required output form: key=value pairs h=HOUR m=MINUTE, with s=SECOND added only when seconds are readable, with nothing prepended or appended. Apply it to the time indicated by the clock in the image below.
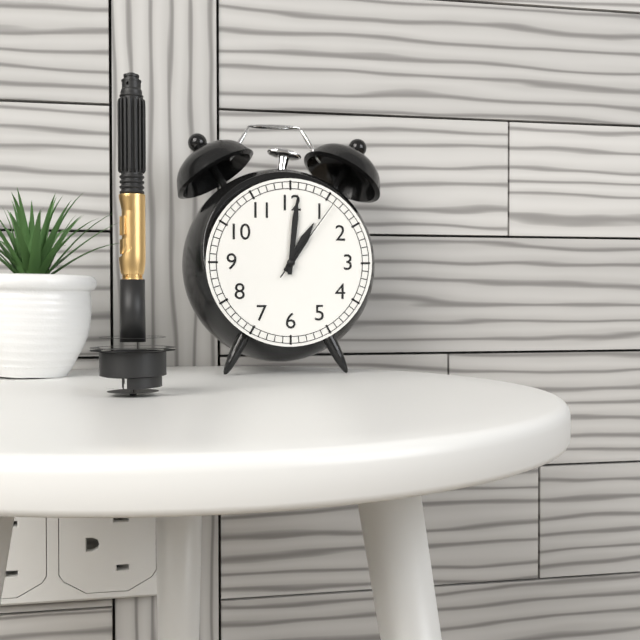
h=1 m=1 s=6
